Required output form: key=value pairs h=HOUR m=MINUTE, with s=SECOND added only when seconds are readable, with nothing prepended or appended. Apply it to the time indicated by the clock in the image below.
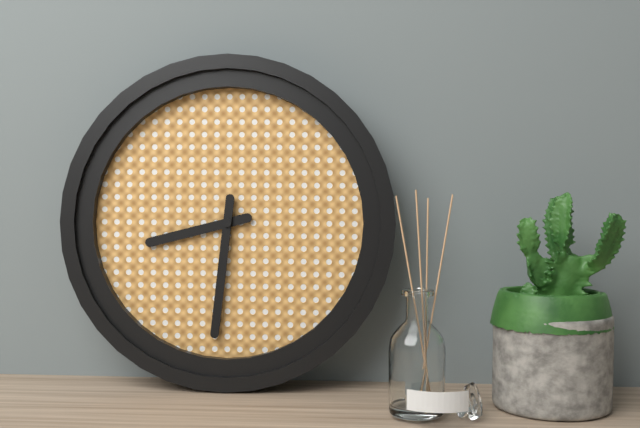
h=8 m=31
